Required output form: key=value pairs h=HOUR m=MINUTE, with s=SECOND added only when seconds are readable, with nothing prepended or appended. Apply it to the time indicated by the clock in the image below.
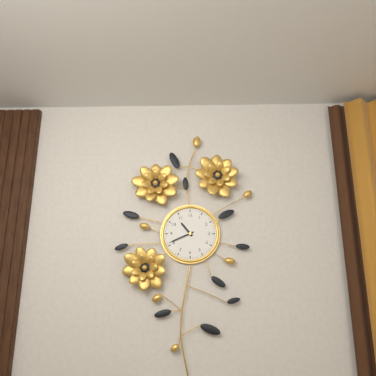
h=10 m=41
